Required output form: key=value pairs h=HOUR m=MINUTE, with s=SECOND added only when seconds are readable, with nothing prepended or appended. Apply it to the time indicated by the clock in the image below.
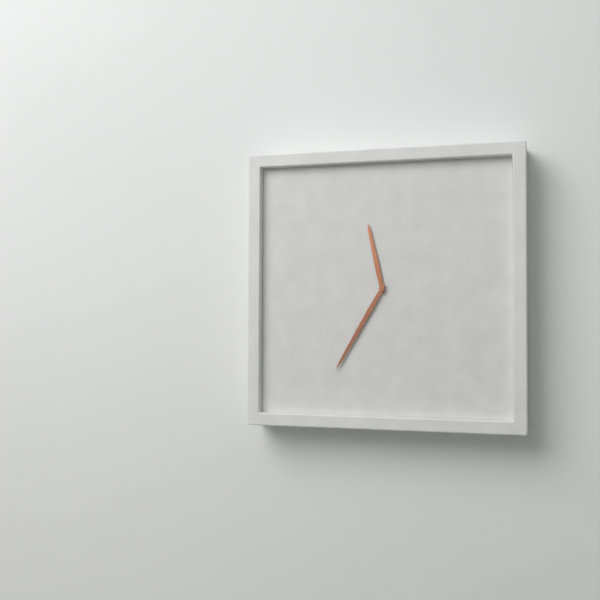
h=11 m=35
